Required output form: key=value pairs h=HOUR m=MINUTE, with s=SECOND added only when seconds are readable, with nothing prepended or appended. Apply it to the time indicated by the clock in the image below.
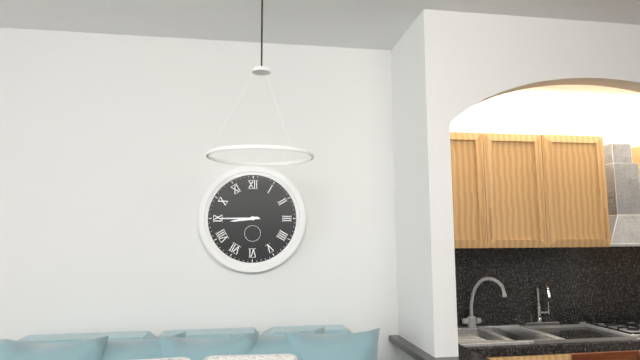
h=8 m=45
